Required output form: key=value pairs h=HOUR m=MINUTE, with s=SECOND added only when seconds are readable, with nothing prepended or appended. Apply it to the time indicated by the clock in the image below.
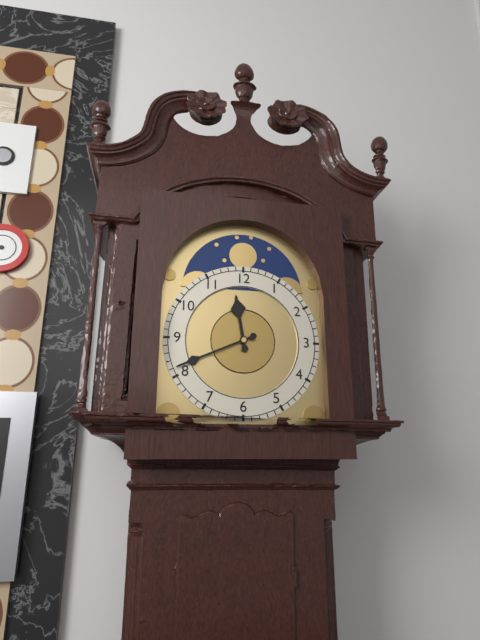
h=11 m=41
